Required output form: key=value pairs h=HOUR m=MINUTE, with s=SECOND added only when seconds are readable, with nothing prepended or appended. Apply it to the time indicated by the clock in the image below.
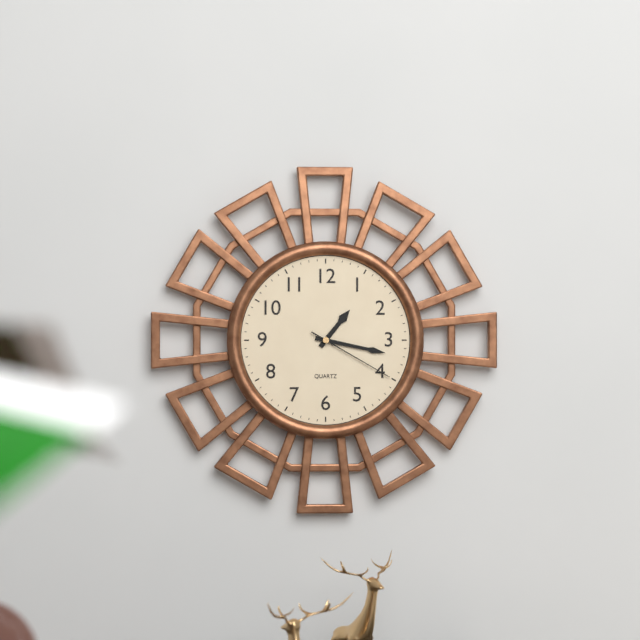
h=1 m=17 s=20
